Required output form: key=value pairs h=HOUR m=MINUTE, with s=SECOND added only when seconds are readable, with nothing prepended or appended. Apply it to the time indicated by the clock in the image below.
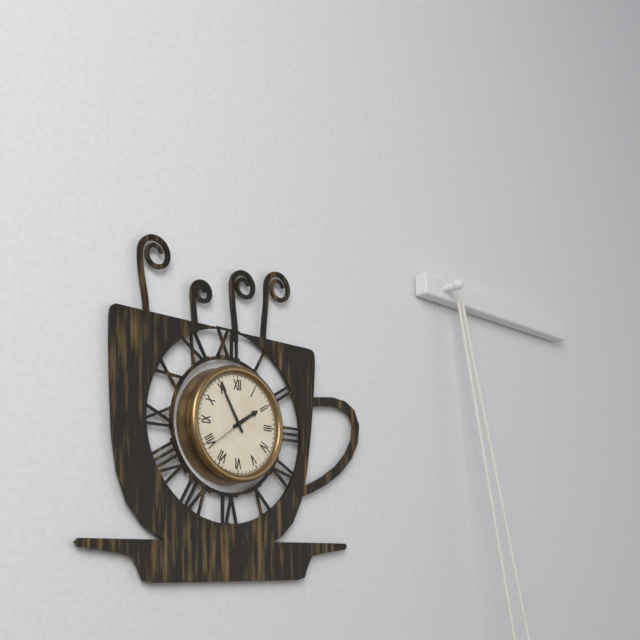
h=1 m=55 s=39
